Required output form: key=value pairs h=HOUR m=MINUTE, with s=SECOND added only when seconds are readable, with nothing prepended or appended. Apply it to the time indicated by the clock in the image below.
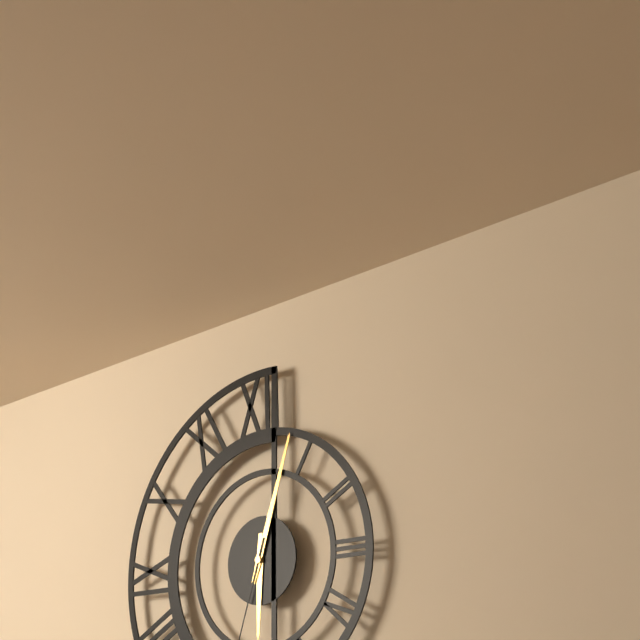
h=6 m=3
